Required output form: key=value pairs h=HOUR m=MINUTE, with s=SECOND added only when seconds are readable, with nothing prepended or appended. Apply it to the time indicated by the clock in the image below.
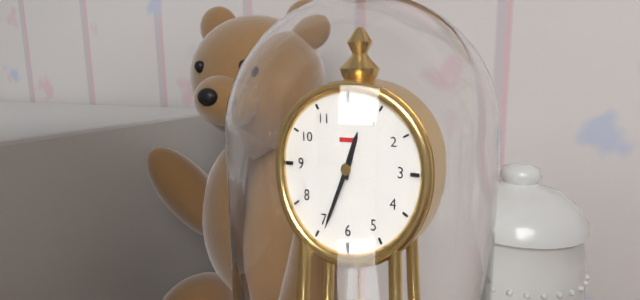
h=12 m=34
